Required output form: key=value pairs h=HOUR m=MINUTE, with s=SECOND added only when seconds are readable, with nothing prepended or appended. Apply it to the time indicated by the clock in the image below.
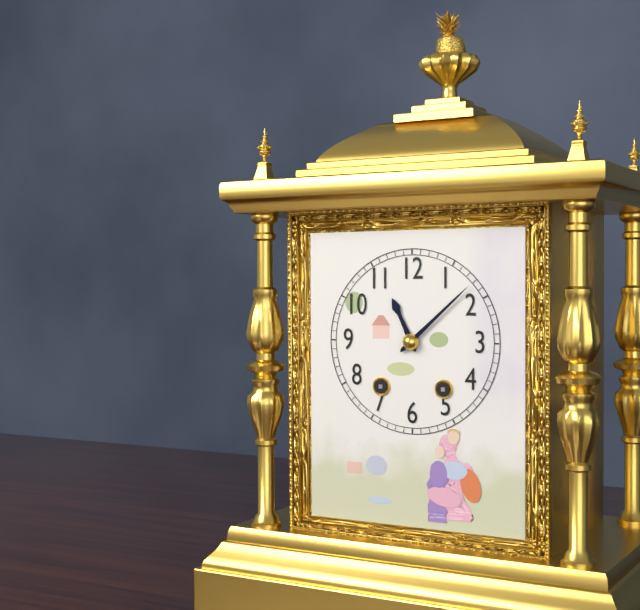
h=11 m=8
